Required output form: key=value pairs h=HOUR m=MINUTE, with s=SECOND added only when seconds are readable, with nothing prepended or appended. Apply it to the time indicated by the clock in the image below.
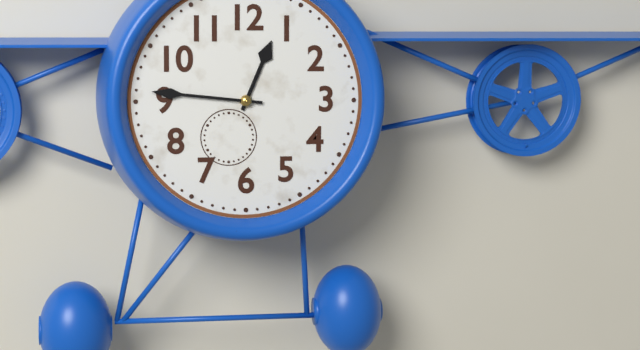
h=12 m=46
